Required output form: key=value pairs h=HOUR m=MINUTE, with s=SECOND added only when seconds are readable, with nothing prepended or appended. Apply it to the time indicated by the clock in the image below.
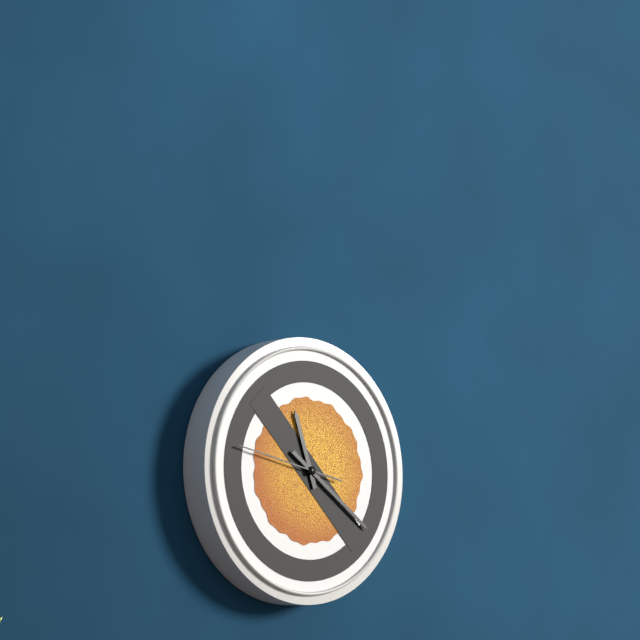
h=11 m=21 s=47
